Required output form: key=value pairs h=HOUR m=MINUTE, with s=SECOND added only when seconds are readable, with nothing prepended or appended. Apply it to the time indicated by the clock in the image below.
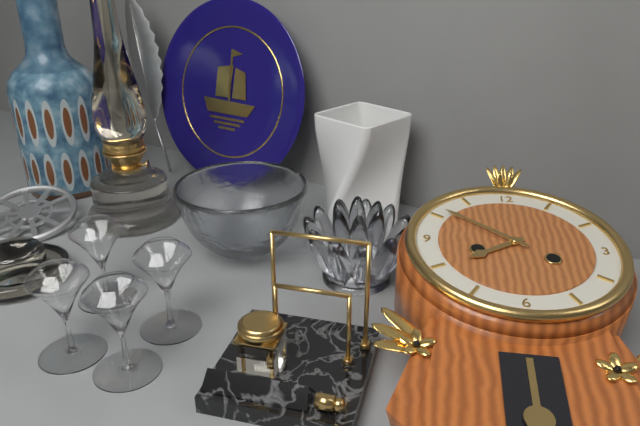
h=7 m=51
